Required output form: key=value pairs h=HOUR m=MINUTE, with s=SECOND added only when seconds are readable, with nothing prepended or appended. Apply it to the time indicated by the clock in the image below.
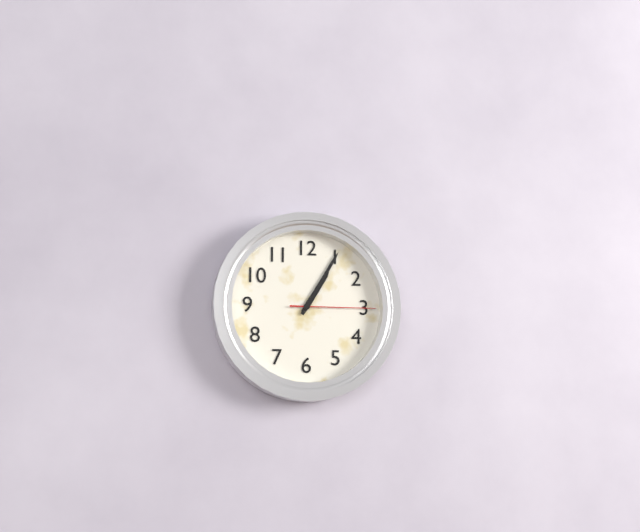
h=1 m=5 s=15
